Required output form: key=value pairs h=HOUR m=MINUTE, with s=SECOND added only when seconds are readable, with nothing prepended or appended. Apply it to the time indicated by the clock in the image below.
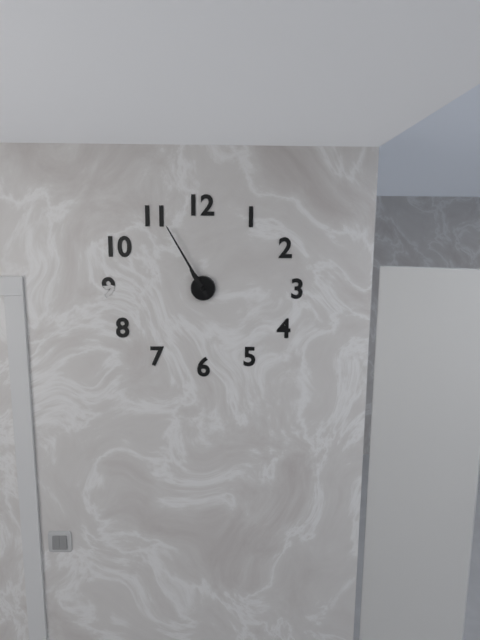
h=10 m=55
